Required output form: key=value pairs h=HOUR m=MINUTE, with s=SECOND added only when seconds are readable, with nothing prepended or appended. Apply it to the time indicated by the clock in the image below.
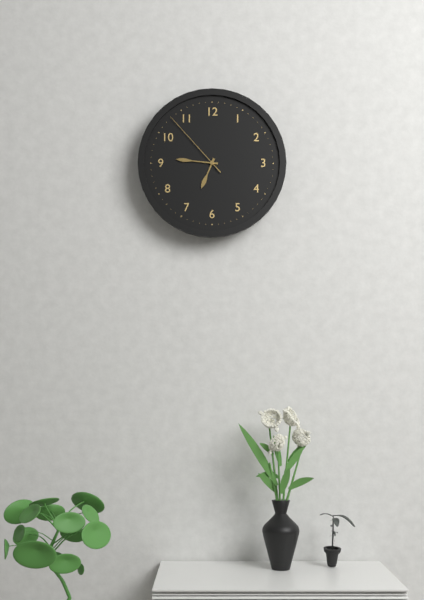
h=6 m=46 s=53
